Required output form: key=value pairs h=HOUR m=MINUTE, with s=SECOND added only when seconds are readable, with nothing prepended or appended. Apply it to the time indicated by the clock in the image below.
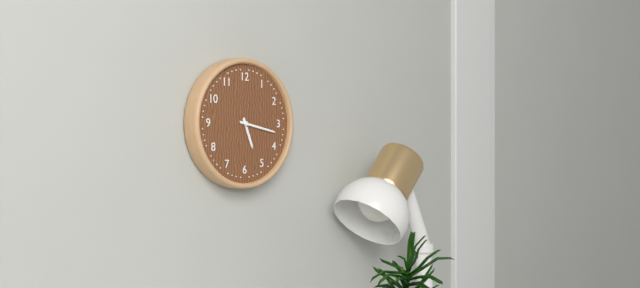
h=5 m=17
